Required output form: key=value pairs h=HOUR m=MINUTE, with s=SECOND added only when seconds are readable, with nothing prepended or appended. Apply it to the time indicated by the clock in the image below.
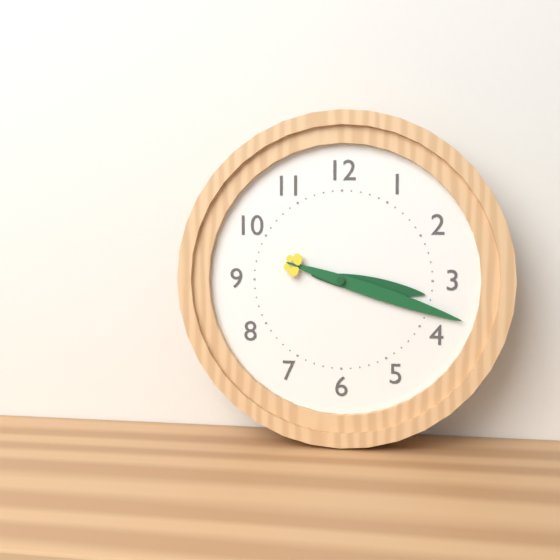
h=3 m=18
